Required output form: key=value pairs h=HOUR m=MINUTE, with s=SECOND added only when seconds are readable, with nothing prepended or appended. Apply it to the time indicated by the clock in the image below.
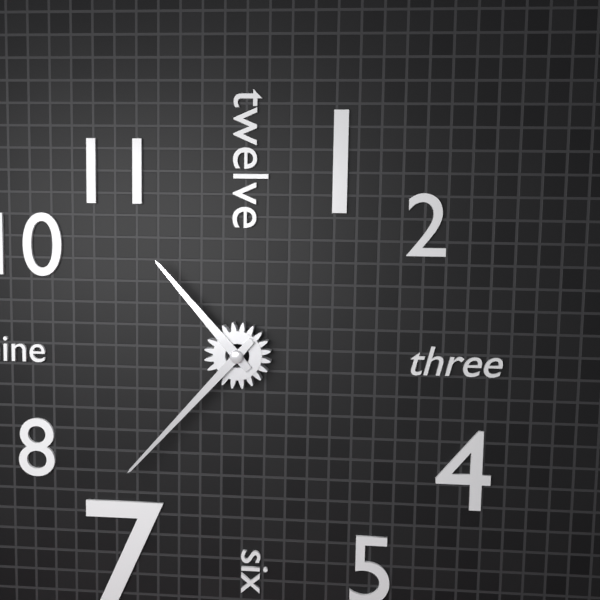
h=10 m=37
